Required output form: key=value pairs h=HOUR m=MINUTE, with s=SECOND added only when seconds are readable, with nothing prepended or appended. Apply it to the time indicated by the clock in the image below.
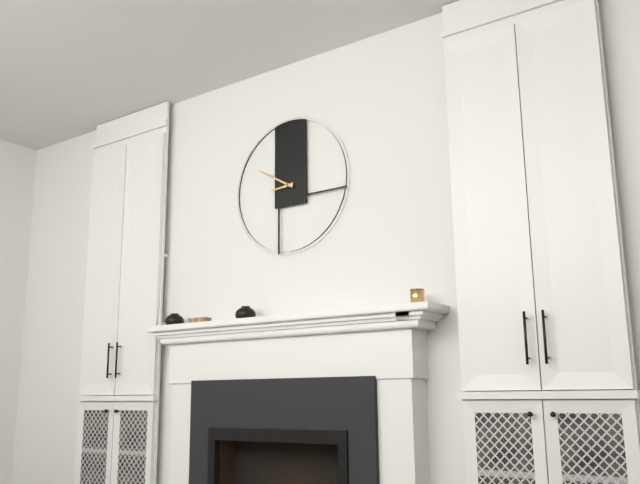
h=8 m=50
